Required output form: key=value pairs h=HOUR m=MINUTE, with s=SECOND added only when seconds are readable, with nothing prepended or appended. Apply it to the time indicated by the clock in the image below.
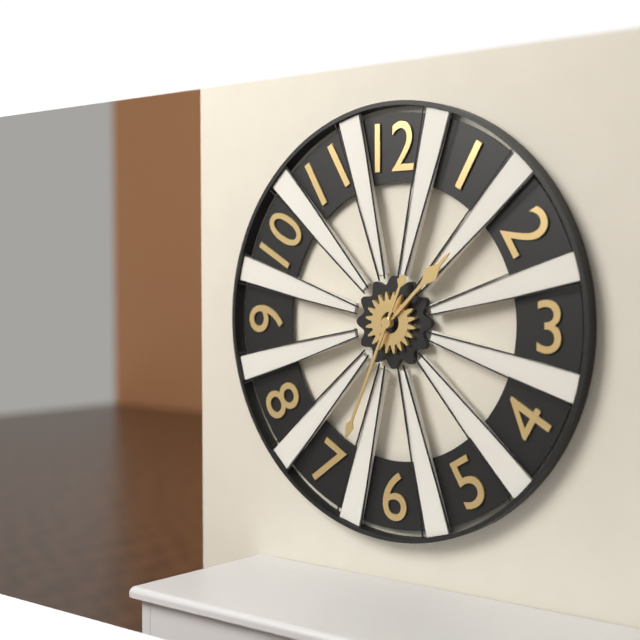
h=1 m=34
